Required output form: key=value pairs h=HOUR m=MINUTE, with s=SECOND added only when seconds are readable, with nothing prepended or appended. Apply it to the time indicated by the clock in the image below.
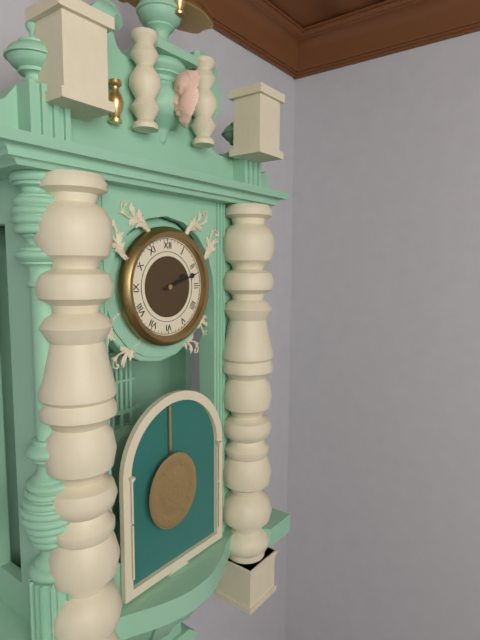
h=2 m=12
